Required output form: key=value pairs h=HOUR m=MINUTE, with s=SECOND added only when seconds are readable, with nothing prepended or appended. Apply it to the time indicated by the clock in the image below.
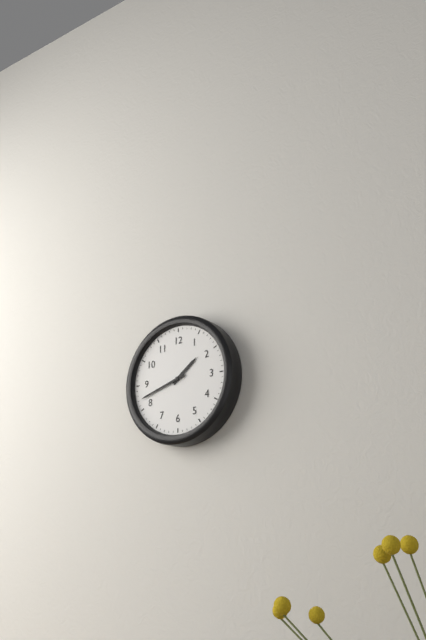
h=1 m=42
